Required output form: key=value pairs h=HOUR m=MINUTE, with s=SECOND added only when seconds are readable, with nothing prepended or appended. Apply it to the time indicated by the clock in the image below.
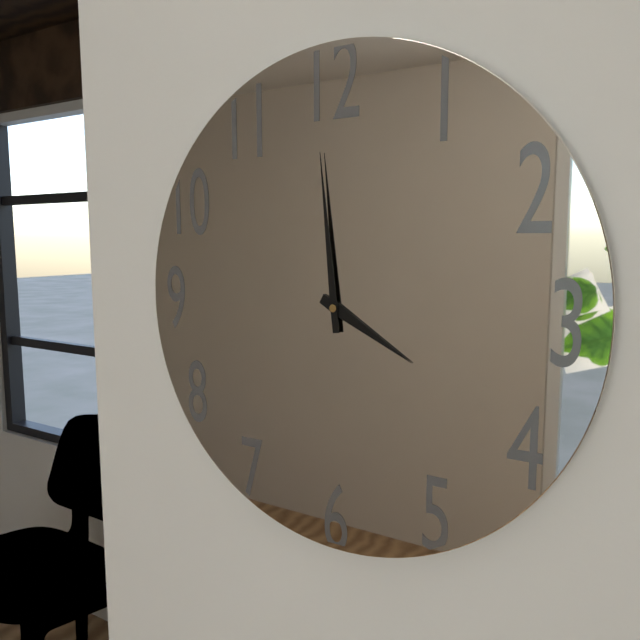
h=3 m=59
